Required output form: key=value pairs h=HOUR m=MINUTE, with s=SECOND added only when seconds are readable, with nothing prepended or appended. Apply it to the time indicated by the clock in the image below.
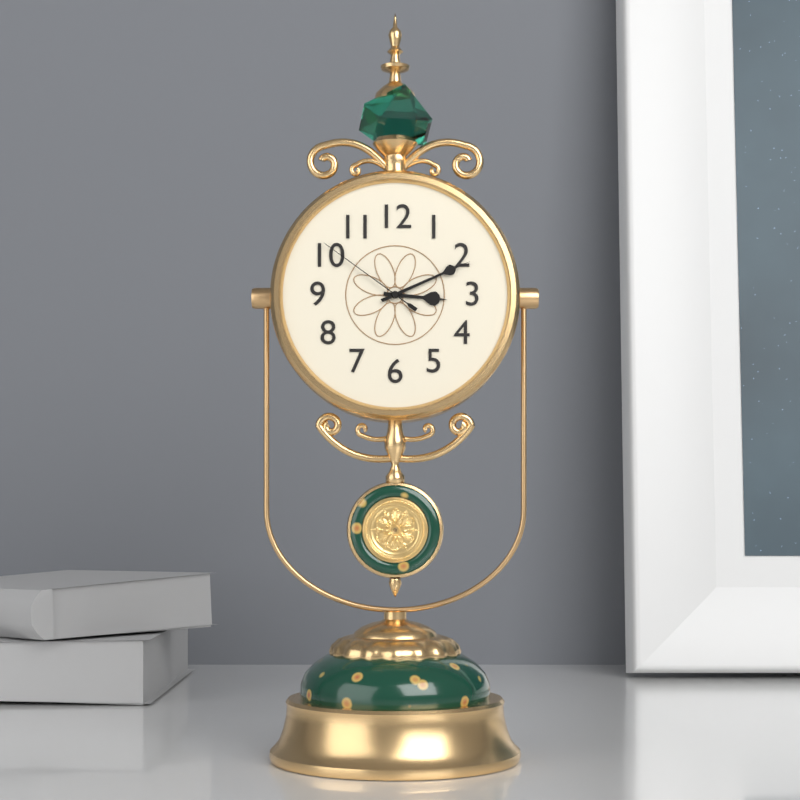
h=3 m=11 s=51
